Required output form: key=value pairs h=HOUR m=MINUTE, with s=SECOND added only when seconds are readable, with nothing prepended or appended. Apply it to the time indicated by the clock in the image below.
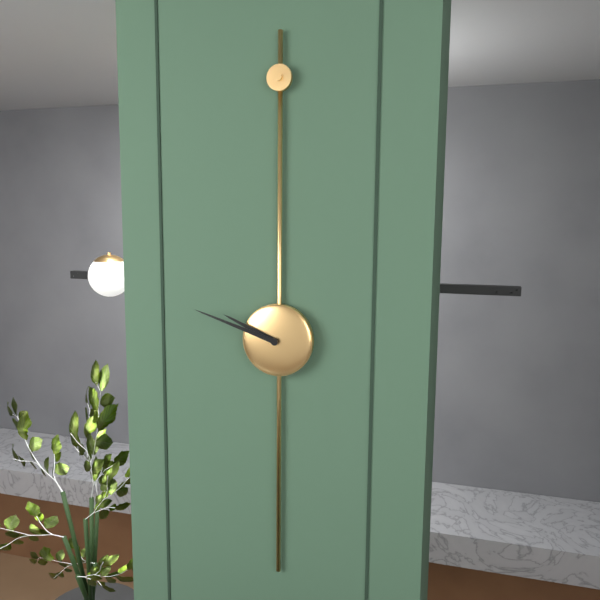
h=9 m=48
